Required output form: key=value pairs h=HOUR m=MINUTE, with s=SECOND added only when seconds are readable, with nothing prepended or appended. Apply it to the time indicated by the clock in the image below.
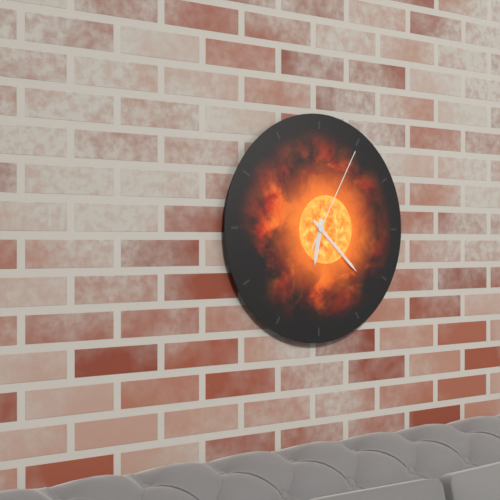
h=6 m=22 s=5
